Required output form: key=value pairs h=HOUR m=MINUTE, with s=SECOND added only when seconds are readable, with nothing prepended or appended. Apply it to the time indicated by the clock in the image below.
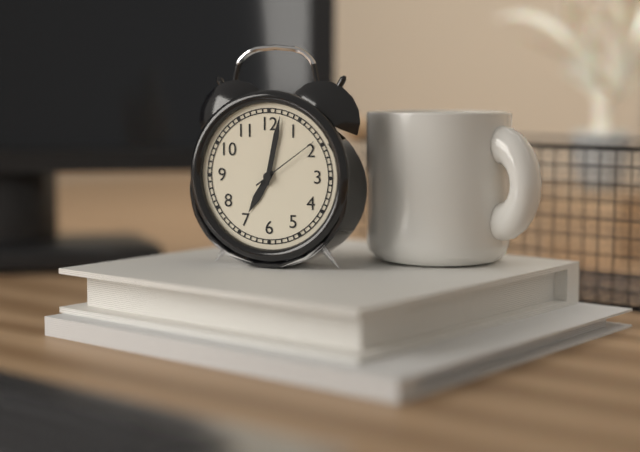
h=7 m=2 s=9
